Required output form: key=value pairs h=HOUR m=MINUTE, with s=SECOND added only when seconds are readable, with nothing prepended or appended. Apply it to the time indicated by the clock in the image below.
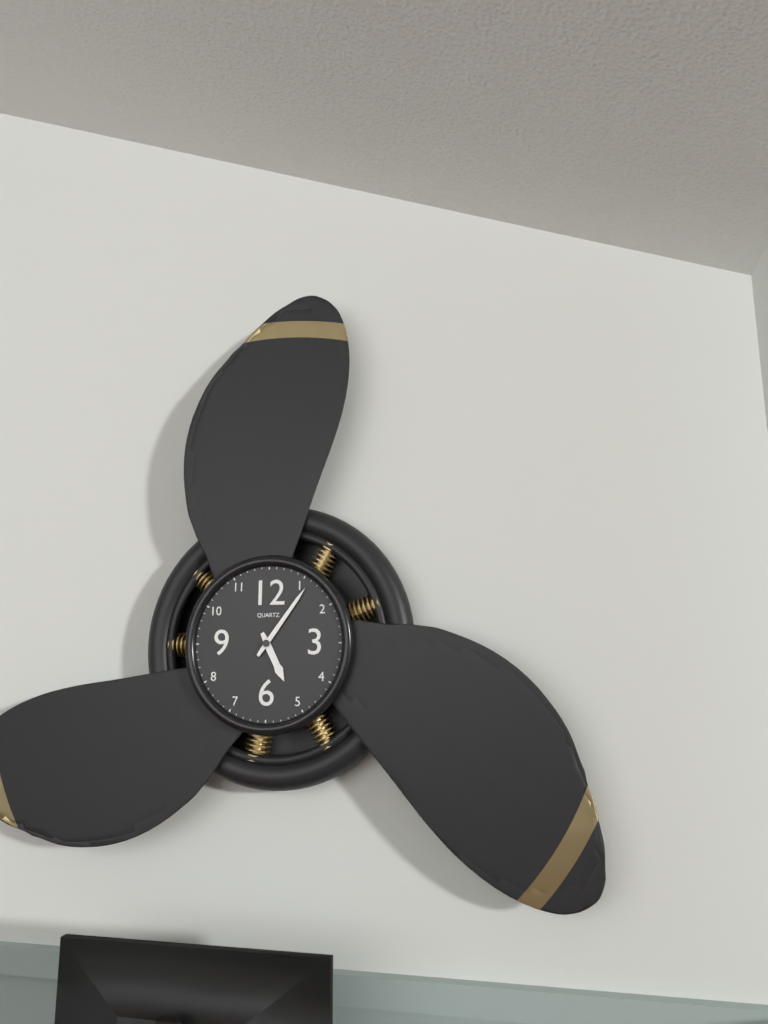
h=5 m=6
